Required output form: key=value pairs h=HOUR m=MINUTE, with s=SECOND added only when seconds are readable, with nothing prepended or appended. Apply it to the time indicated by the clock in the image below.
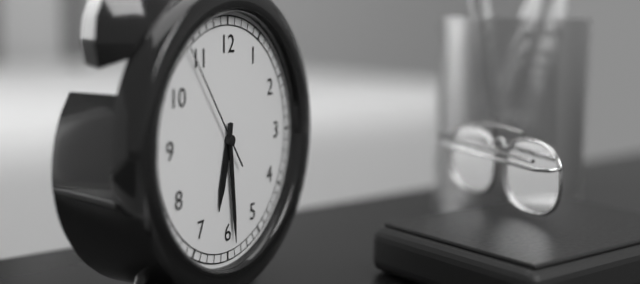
h=6 m=29 s=54
